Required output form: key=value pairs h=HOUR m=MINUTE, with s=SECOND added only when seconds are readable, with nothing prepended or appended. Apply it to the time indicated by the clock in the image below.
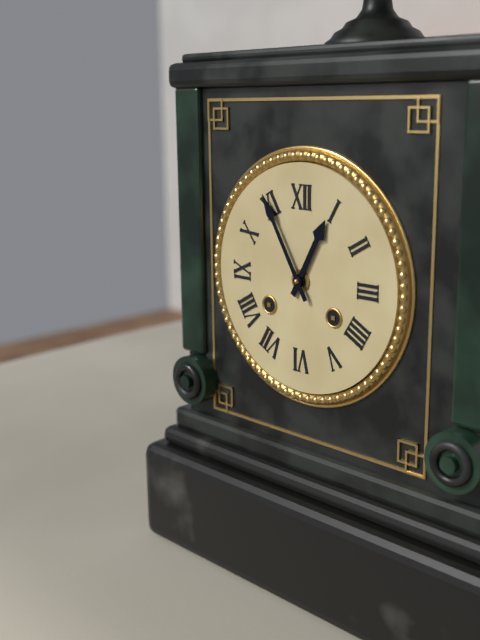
h=12 m=55
